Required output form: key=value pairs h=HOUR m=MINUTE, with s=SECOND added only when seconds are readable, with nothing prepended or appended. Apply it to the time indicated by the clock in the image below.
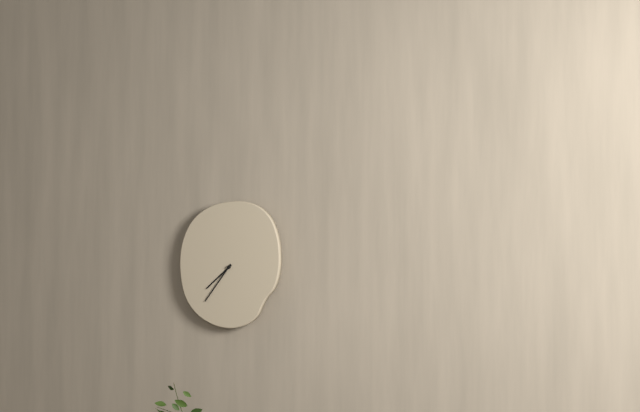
h=7 m=36
